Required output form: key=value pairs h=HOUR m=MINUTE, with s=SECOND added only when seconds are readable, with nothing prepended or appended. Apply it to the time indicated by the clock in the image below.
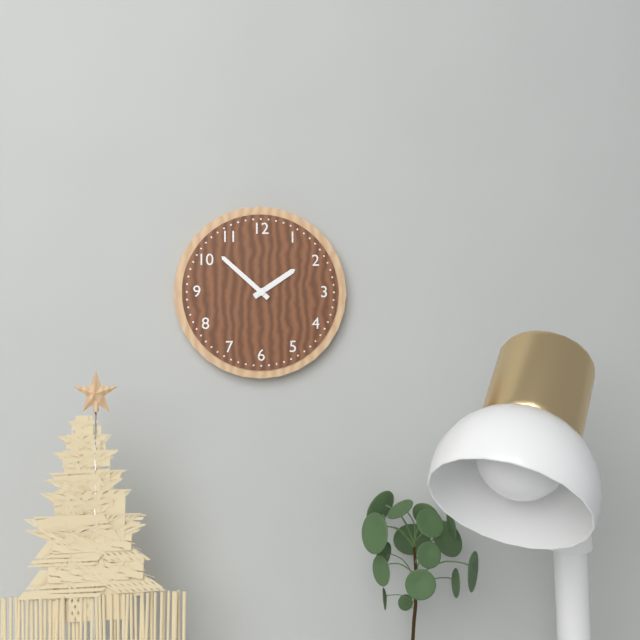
h=1 m=52
